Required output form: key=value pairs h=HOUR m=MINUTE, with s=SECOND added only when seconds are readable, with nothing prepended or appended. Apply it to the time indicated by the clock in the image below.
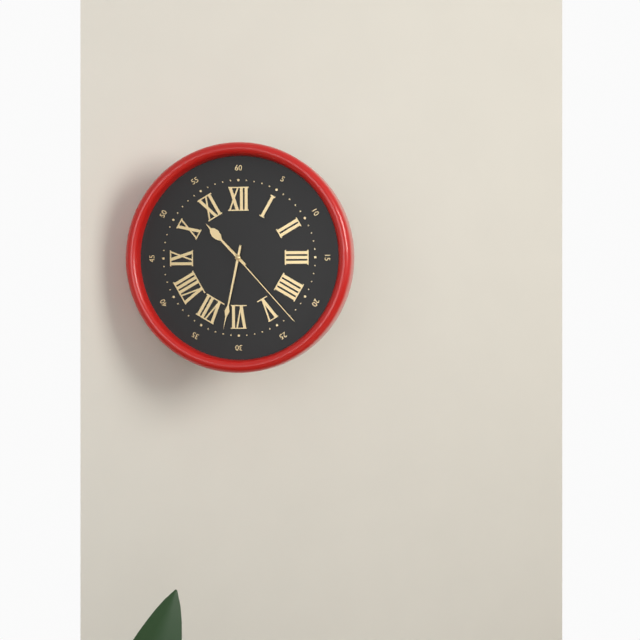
h=10 m=32 s=23
